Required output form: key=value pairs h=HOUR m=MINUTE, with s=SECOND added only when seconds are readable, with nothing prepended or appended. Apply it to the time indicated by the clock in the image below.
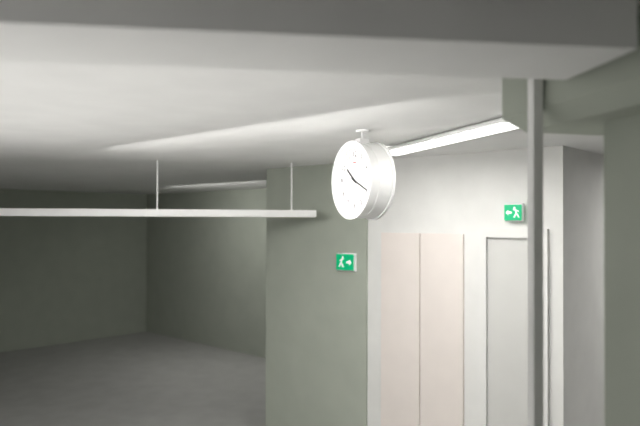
h=10 m=19
